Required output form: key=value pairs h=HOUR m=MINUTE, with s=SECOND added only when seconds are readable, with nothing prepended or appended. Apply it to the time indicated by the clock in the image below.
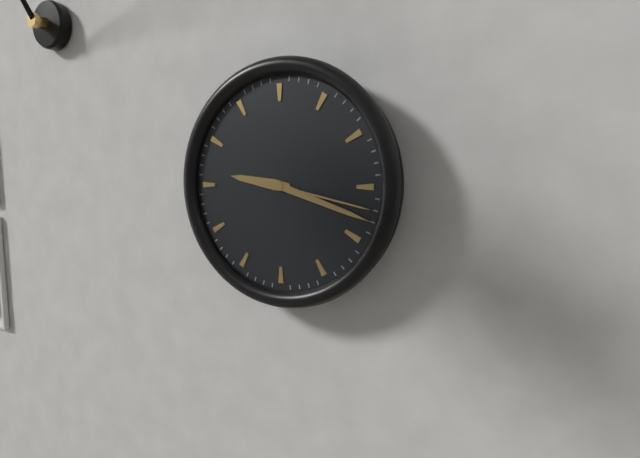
h=9 m=18 s=17
